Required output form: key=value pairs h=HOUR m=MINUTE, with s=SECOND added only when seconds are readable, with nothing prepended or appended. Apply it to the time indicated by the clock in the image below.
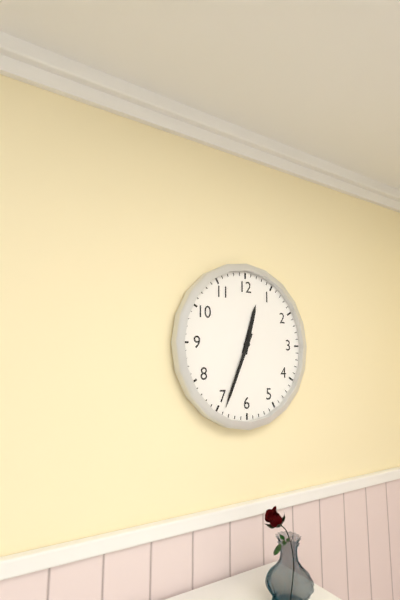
h=12 m=34
